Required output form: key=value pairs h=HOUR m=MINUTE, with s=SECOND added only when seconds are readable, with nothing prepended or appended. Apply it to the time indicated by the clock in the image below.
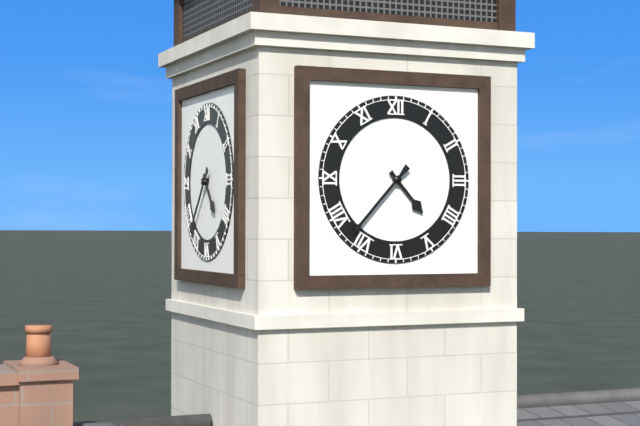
h=4 m=37
